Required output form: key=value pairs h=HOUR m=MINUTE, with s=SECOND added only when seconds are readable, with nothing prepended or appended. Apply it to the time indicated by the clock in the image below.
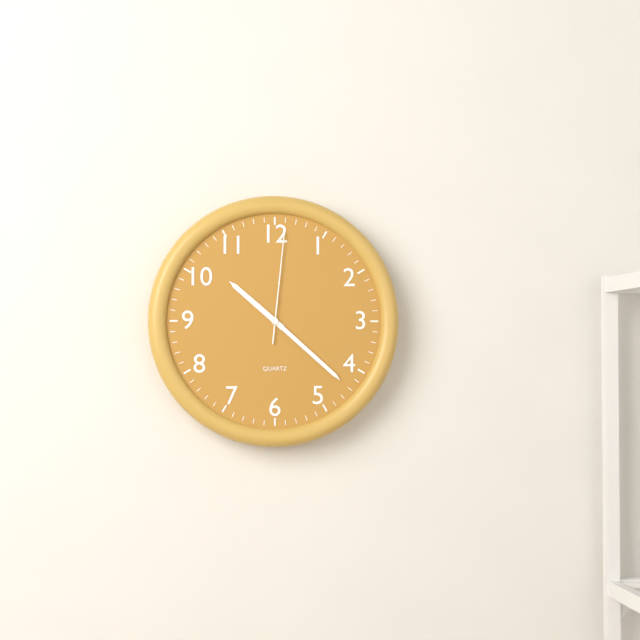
h=10 m=22 s=1
